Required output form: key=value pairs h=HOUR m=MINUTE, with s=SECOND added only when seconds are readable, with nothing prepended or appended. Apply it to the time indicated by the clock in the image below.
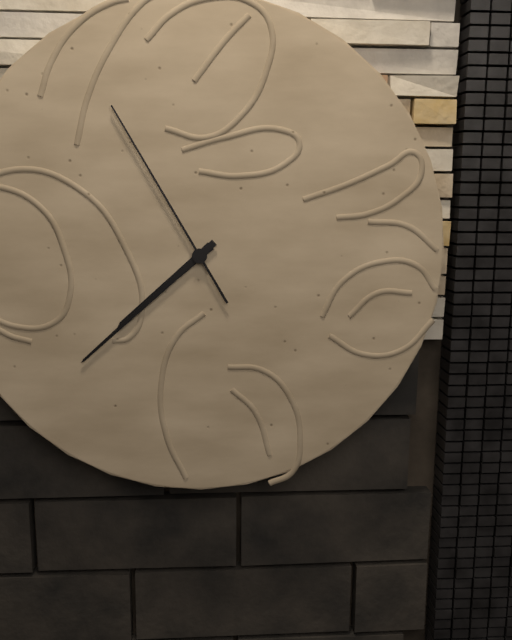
h=7 m=38 s=55
